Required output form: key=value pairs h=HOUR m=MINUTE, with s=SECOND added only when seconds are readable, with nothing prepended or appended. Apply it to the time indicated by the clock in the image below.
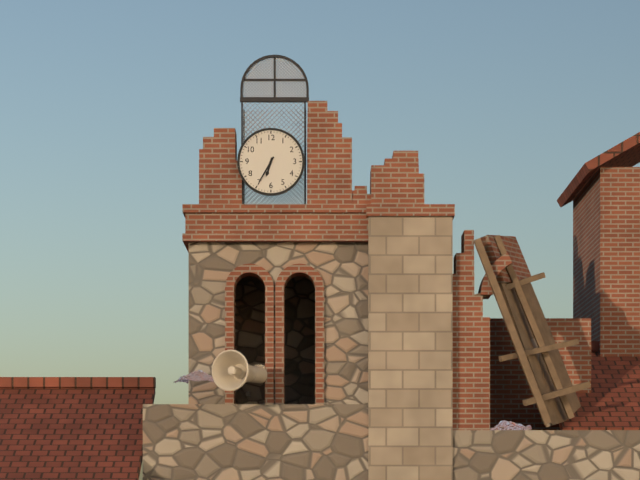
h=6 m=35
